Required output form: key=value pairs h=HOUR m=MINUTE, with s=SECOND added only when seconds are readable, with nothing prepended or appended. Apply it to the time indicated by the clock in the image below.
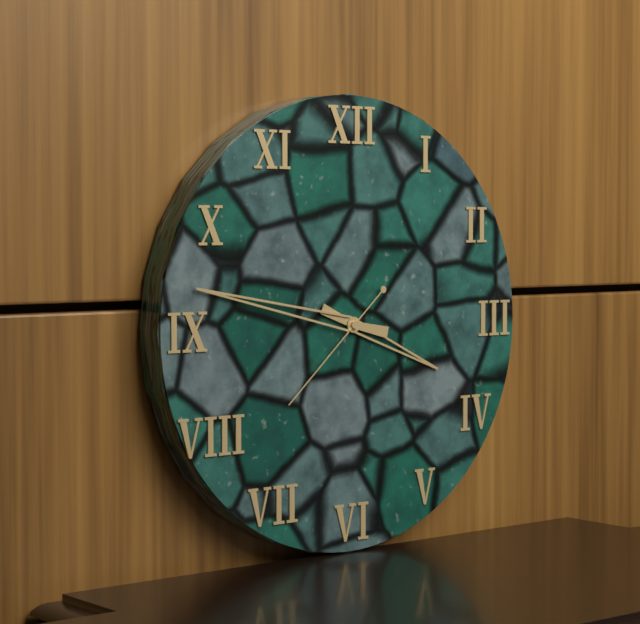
h=3 m=47 s=38
